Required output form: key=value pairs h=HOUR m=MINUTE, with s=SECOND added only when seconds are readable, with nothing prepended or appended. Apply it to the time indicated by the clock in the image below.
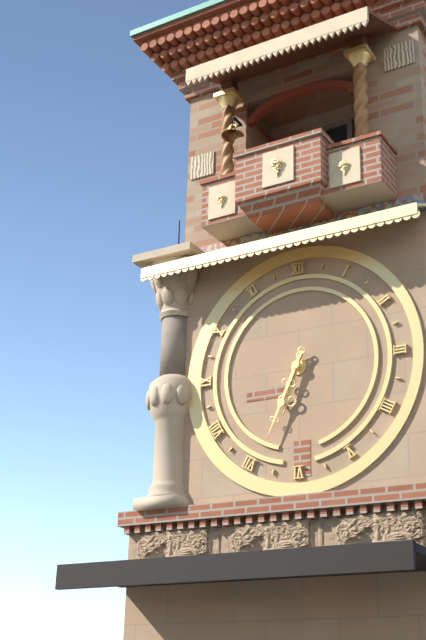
h=6 m=34
